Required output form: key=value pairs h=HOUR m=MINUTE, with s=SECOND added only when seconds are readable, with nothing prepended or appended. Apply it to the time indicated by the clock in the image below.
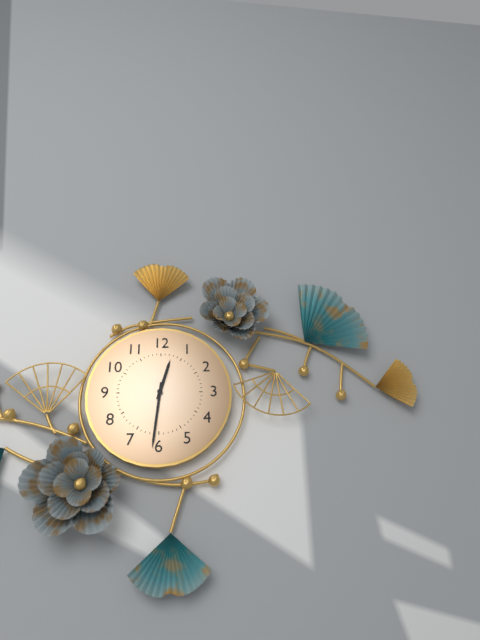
h=12 m=31
